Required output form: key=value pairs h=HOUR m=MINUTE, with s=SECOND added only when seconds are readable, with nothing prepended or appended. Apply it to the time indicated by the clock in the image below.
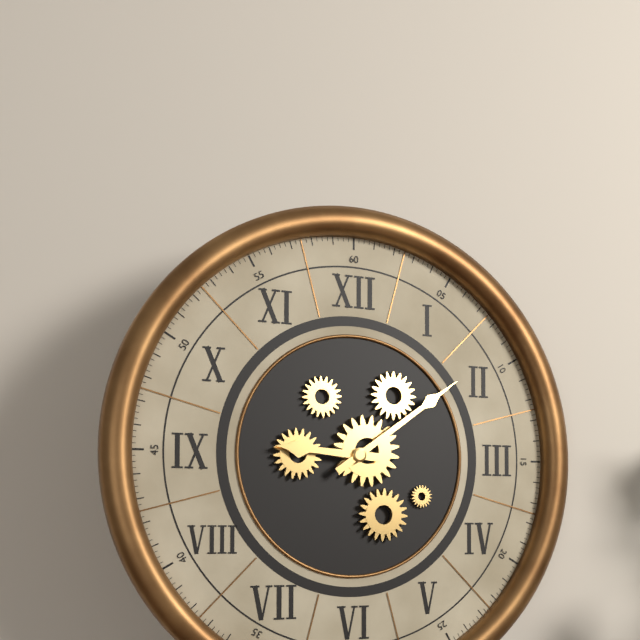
h=9 m=9
